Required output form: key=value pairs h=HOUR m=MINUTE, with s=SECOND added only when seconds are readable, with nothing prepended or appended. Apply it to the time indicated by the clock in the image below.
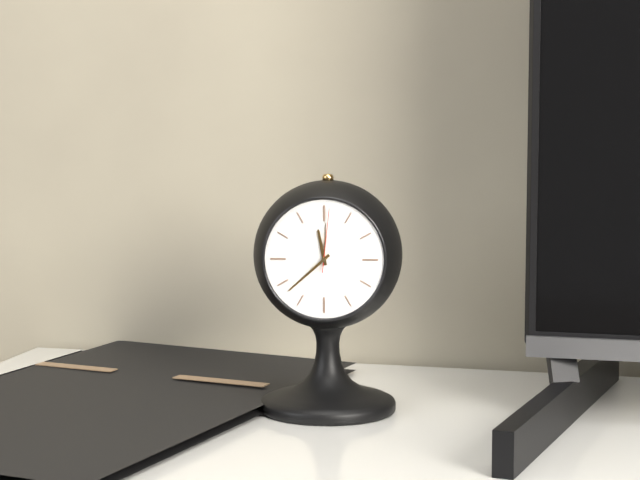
h=11 m=38 s=1
